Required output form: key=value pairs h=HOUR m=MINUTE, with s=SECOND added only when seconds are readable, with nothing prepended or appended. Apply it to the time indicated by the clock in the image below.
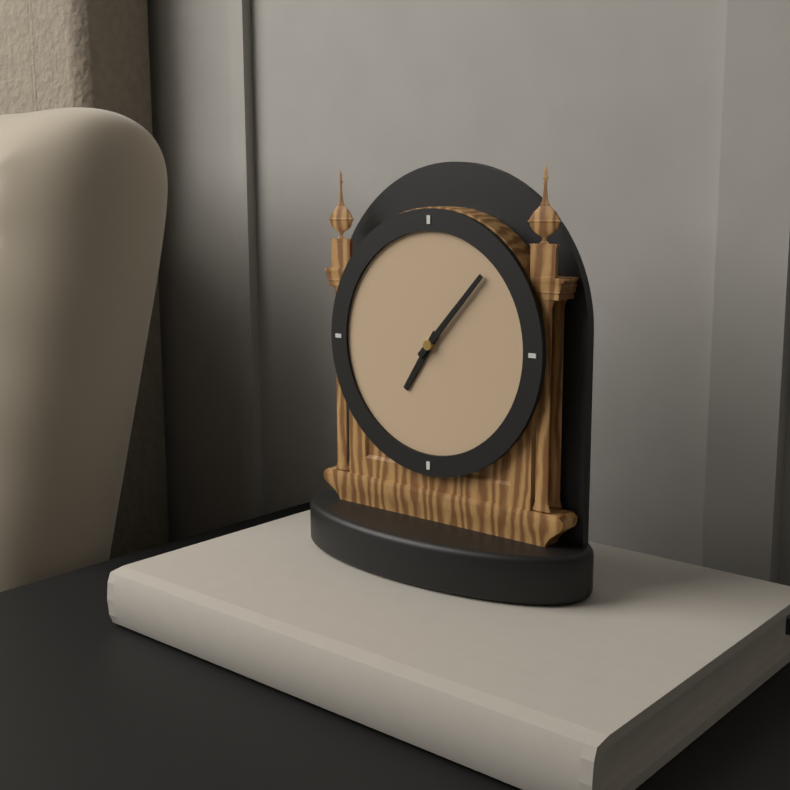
h=7 m=7
